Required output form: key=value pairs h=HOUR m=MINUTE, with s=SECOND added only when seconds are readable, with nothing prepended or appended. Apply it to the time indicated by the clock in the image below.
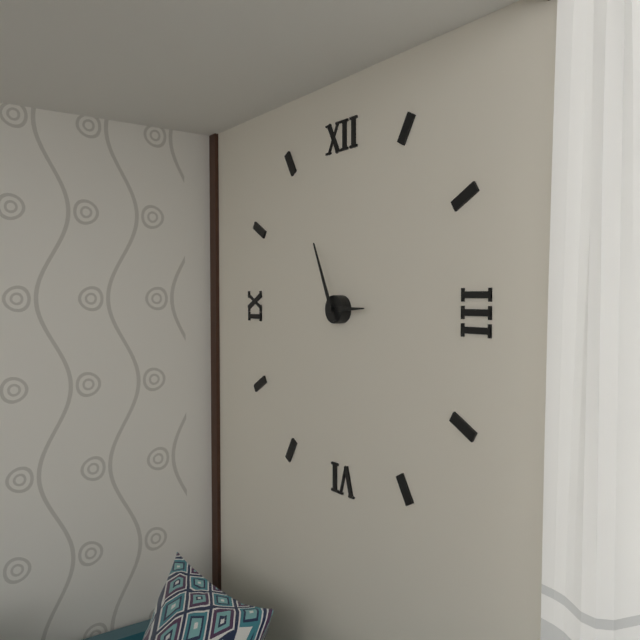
h=2 m=56
